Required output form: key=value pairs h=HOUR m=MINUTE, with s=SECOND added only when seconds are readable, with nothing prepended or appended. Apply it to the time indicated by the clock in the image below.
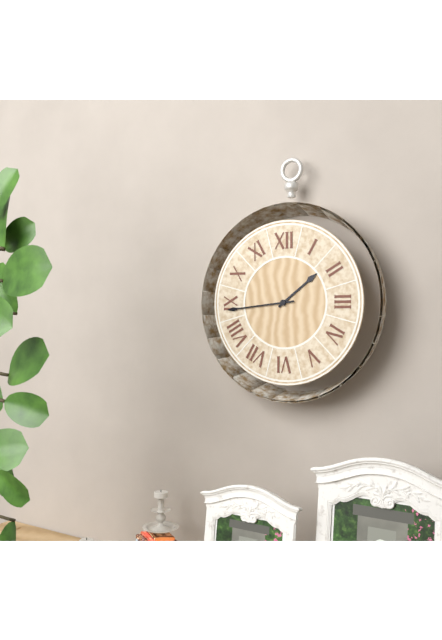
h=1 m=44
